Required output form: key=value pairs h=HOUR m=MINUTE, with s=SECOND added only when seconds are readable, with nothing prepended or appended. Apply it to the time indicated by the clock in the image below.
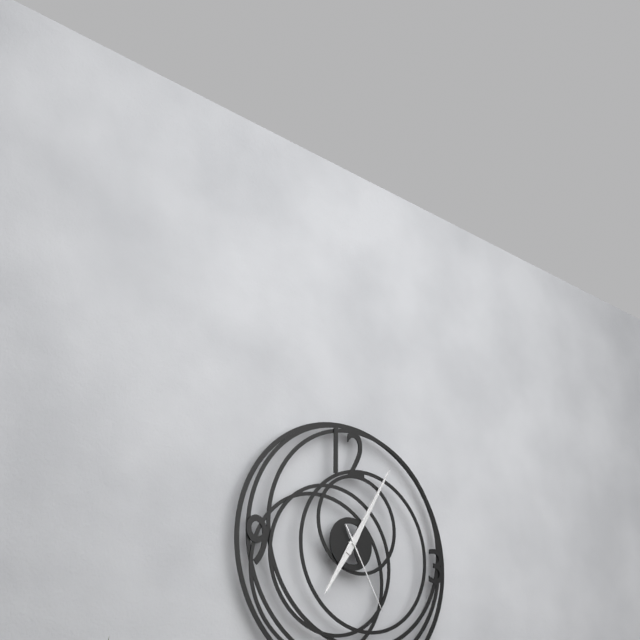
h=7 m=5 s=25
